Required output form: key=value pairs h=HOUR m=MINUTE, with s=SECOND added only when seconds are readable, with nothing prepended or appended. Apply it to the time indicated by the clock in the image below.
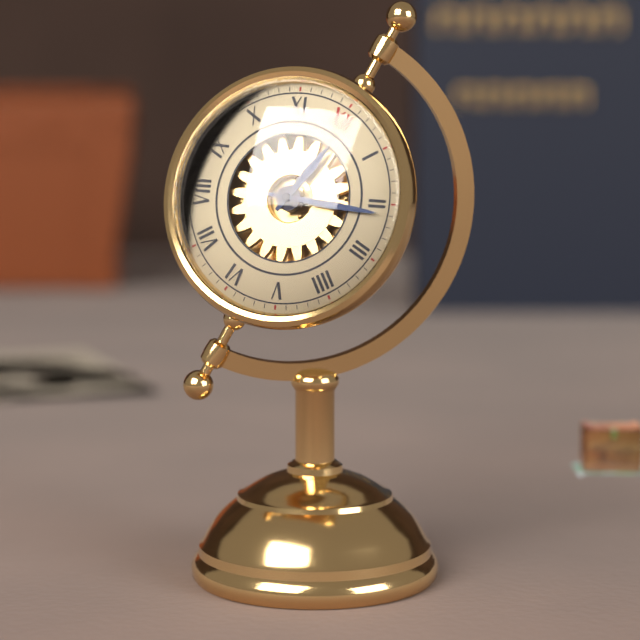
h=12 m=11
